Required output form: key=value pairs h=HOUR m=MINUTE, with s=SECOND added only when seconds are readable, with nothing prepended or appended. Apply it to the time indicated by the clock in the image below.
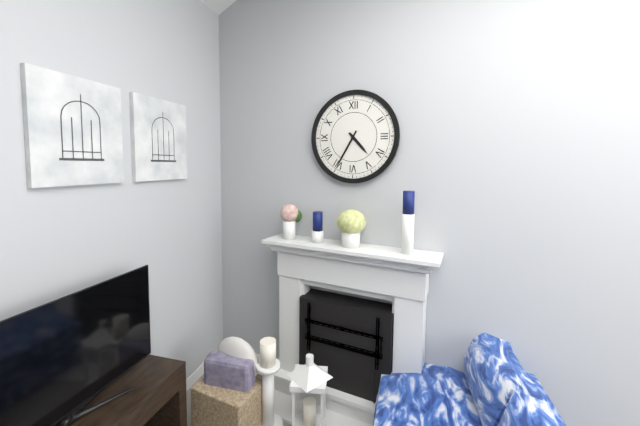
h=4 m=35
